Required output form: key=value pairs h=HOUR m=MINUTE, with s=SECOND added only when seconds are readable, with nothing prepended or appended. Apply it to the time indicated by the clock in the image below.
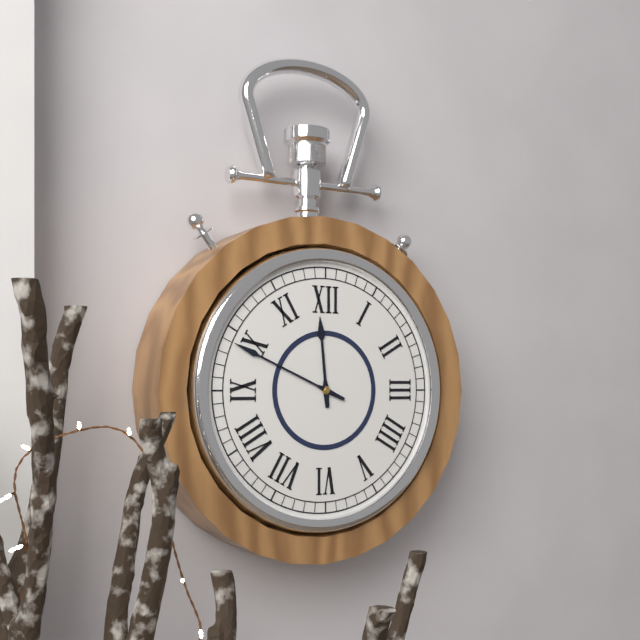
h=11 m=49
